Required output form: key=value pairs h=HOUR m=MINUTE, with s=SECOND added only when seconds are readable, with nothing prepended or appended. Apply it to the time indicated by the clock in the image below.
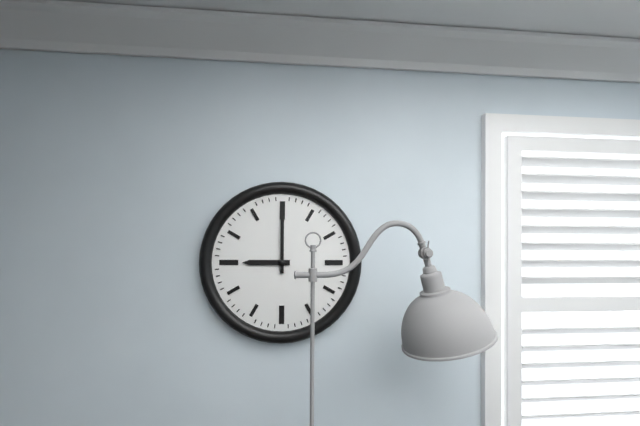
h=9 m=0
